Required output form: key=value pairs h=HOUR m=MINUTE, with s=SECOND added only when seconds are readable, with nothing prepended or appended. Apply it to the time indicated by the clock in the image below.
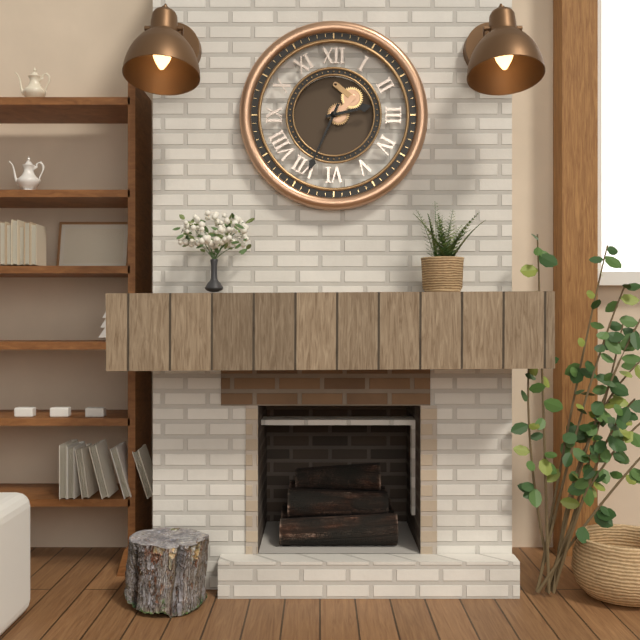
h=2 m=34
